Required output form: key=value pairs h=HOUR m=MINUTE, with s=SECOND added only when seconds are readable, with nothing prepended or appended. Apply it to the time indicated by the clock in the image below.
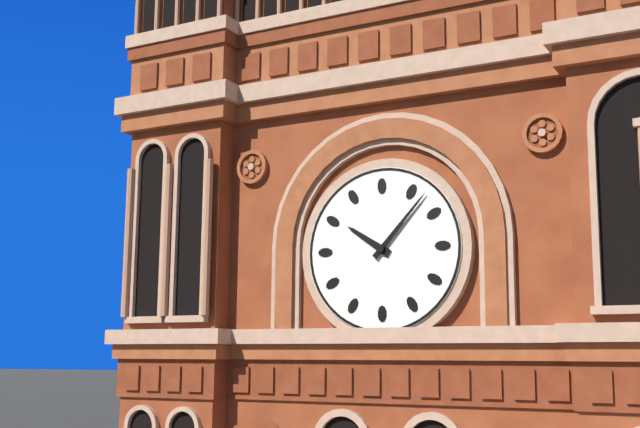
h=10 m=7
